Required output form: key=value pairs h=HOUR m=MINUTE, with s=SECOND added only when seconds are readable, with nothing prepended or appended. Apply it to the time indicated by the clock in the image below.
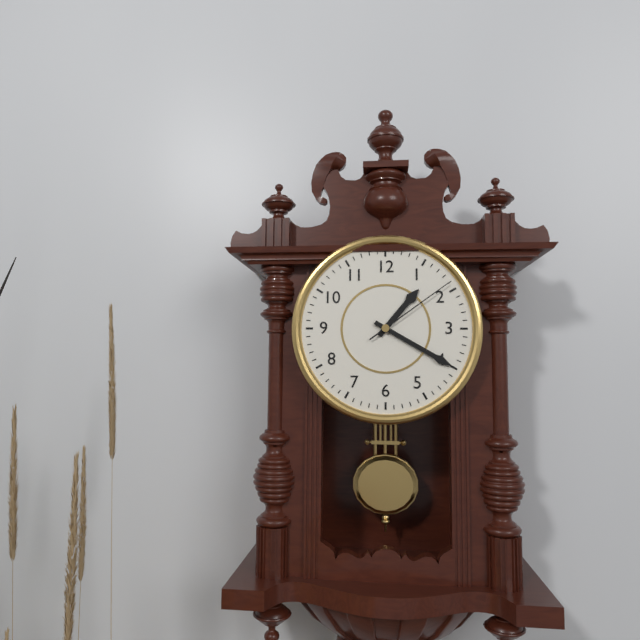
h=1 m=20 s=9
